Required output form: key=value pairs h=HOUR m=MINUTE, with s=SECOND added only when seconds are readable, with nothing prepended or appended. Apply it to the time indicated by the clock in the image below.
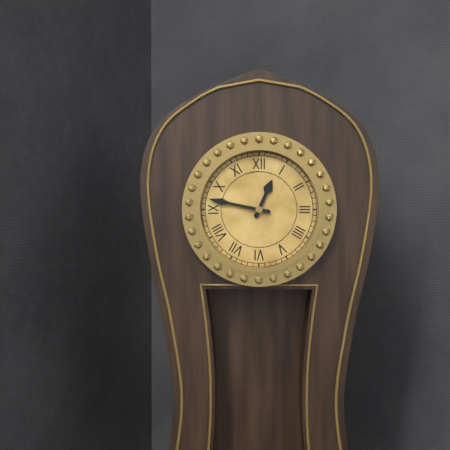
h=12 m=47
